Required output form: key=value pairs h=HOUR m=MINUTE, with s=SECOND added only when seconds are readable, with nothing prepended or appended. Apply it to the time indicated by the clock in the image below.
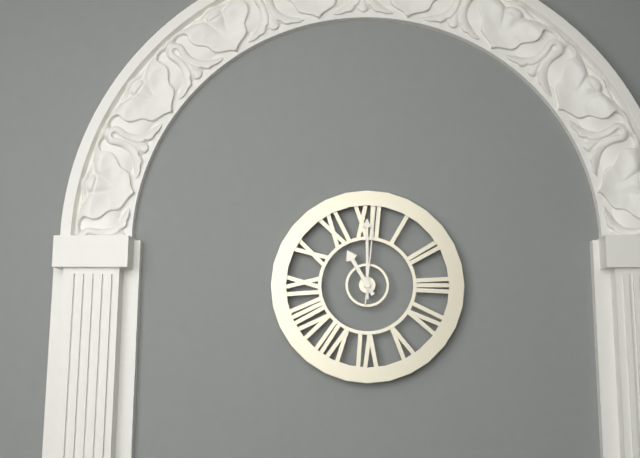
h=11 m=0 s=1
